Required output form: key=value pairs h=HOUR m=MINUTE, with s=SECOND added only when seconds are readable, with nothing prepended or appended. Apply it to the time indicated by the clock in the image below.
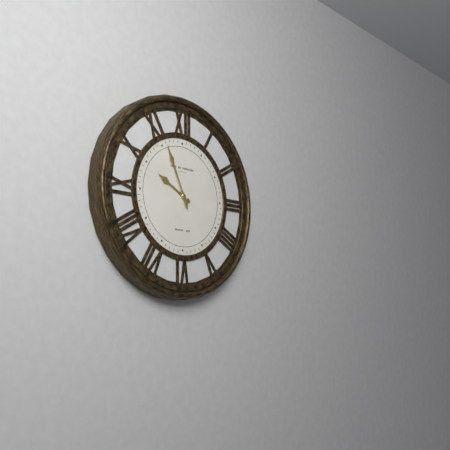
h=9 m=56
